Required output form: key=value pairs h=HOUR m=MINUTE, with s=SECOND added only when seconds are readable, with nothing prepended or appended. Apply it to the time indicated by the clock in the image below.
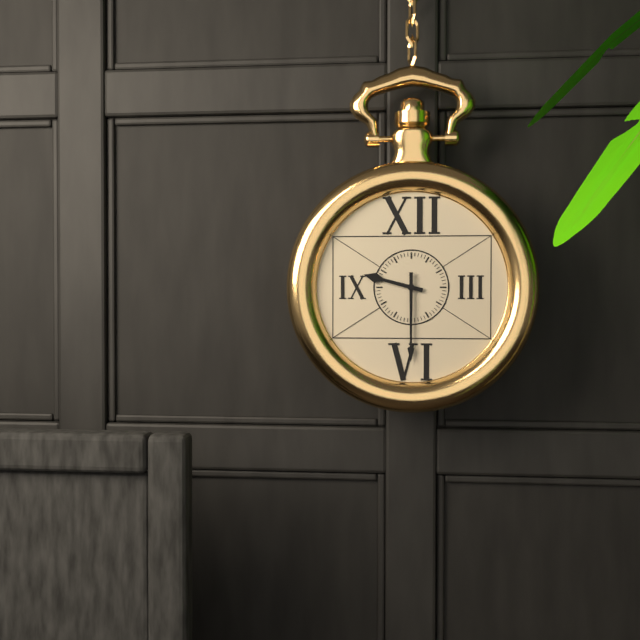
h=9 m=30
